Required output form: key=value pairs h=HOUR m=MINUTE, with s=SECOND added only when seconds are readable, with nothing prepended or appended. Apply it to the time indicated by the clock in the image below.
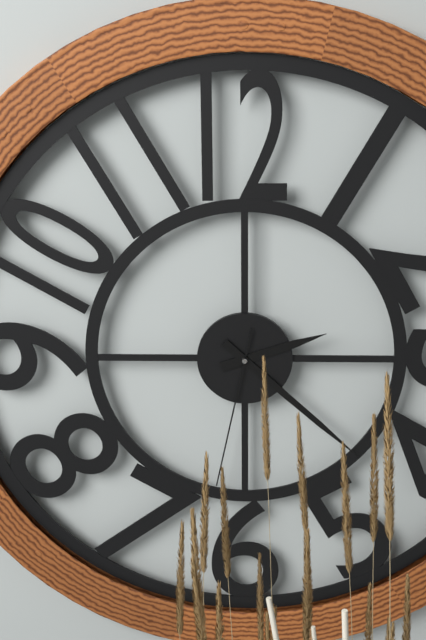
h=2 m=22 s=32
